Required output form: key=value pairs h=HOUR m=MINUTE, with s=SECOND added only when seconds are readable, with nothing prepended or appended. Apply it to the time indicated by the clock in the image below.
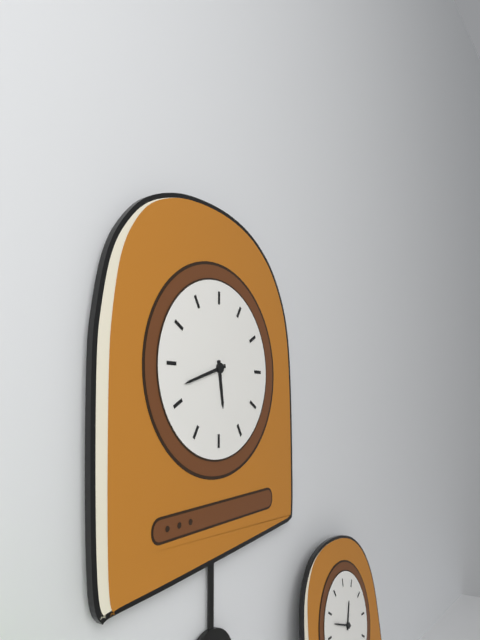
h=5 m=42
